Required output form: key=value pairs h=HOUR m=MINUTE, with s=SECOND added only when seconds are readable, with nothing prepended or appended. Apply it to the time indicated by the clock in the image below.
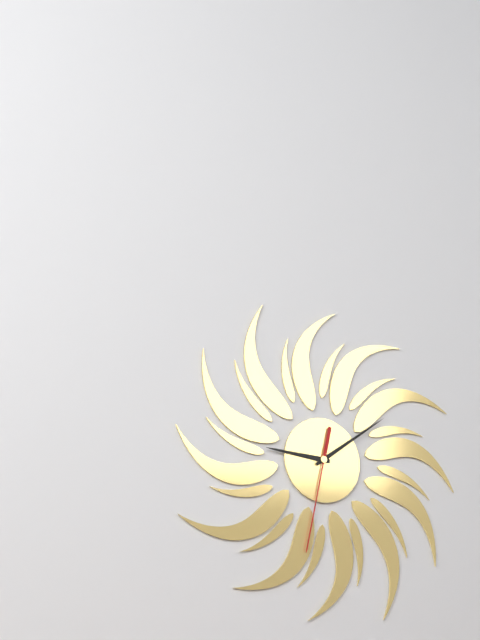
h=9 m=9 s=32
